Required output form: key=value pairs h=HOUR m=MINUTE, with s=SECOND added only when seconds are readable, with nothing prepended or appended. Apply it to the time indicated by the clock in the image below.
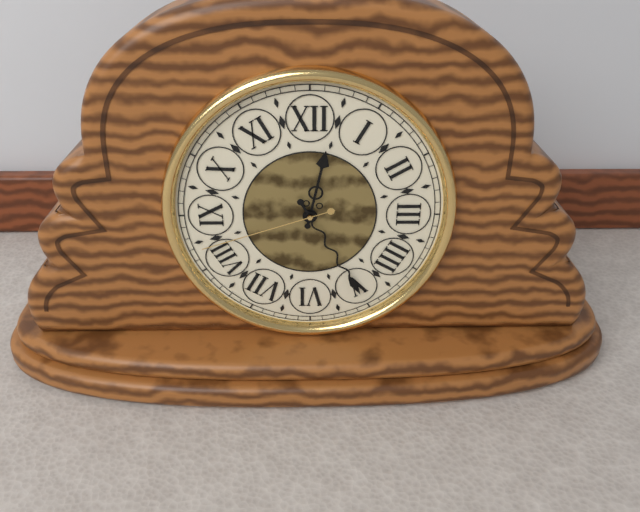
h=12 m=25 s=42
